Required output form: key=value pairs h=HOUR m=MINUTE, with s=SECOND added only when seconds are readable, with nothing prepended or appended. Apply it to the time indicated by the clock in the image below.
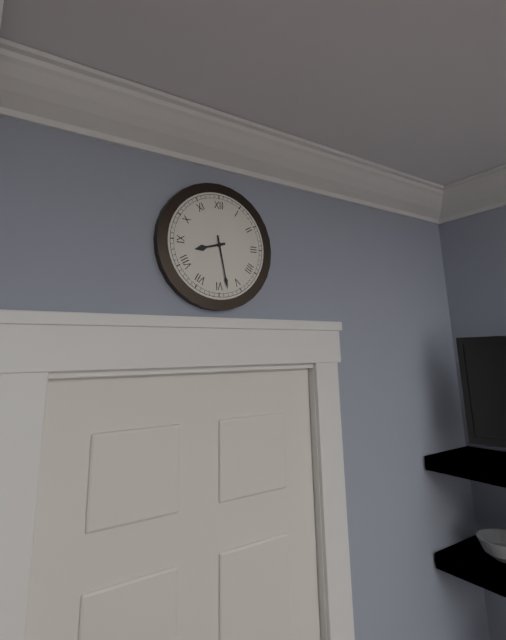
h=8 m=28
